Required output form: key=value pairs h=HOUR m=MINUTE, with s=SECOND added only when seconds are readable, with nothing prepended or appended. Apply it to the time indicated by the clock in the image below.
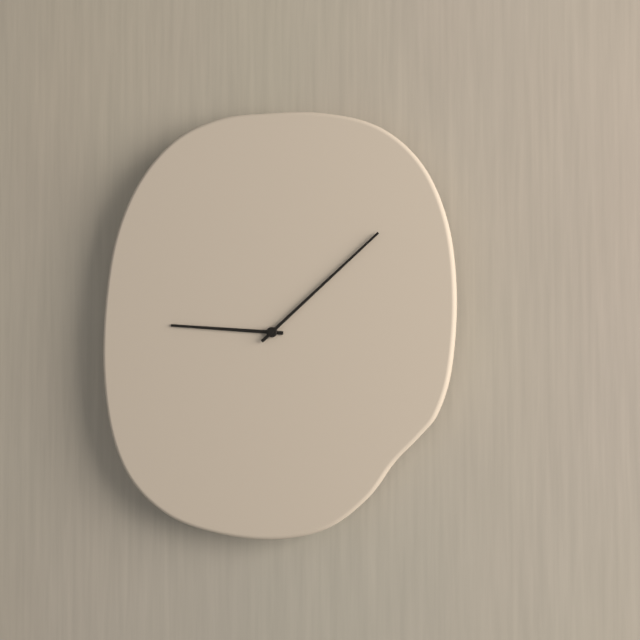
h=9 m=8
